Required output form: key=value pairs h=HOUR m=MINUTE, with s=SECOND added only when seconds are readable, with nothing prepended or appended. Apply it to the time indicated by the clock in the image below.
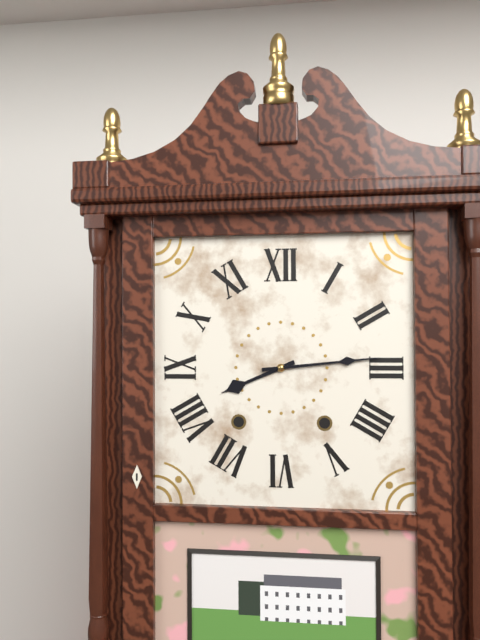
h=8 m=14
